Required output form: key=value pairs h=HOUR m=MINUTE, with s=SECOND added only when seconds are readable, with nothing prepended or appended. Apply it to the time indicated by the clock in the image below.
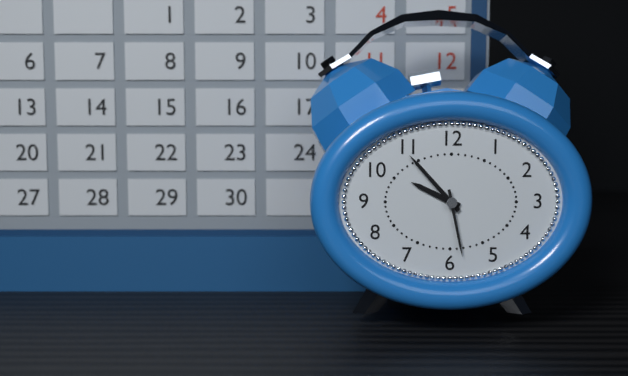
h=9 m=53 s=28
